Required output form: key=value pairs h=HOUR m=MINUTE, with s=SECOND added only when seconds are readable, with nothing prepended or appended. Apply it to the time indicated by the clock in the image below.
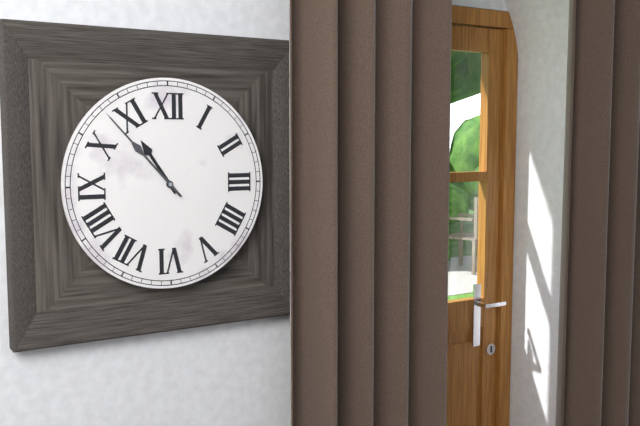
h=10 m=53
